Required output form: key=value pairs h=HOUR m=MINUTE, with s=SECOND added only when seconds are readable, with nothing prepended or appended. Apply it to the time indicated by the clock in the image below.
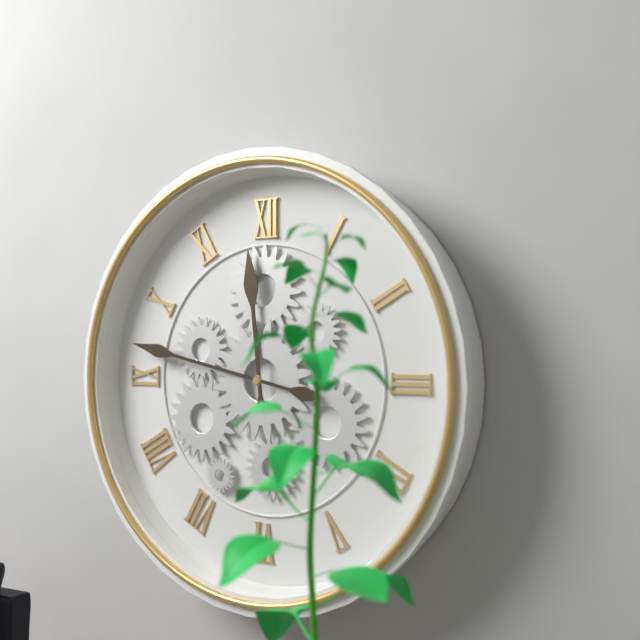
h=11 m=47
